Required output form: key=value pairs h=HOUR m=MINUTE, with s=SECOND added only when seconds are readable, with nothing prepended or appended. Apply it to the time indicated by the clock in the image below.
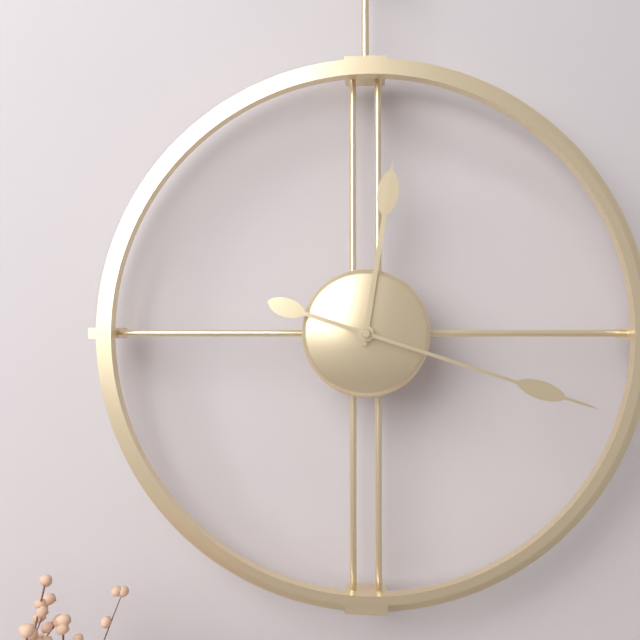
h=12 m=18
